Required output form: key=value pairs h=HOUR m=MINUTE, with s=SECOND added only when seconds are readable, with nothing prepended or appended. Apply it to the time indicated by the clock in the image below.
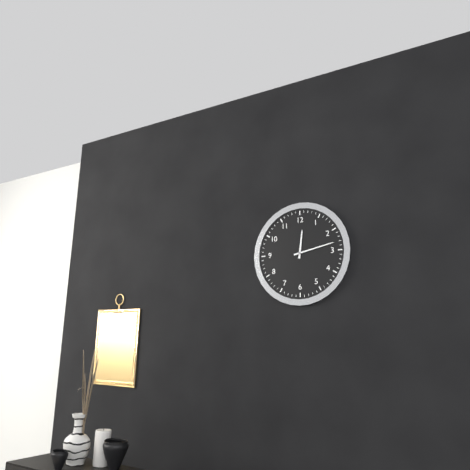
h=12 m=13
